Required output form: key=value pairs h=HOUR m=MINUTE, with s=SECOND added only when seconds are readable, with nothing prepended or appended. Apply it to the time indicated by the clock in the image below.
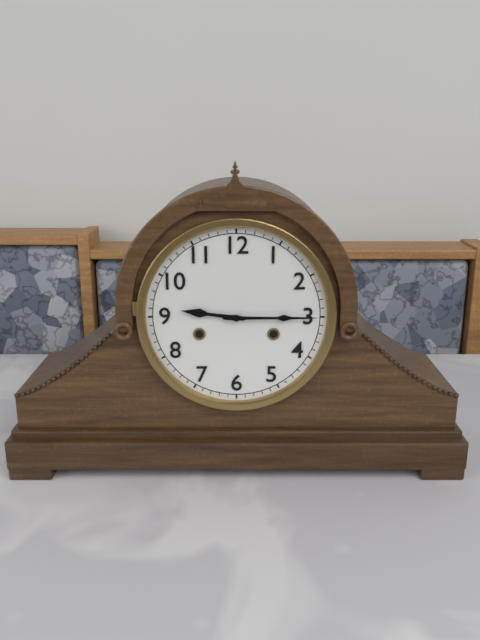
h=9 m=15
